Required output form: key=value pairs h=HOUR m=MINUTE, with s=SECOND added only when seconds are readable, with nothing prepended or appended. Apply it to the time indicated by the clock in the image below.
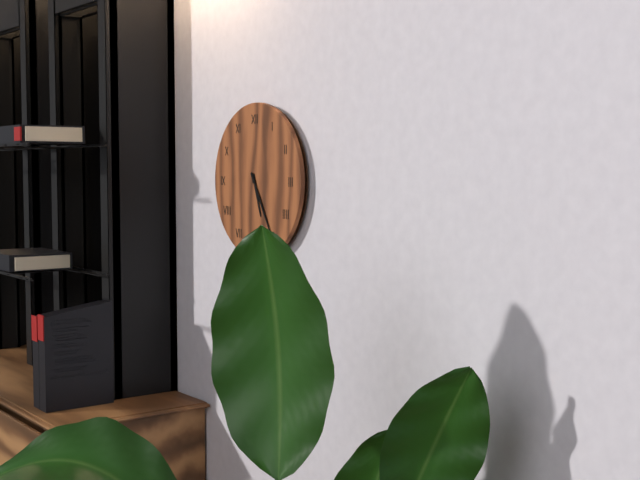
h=5 m=25
